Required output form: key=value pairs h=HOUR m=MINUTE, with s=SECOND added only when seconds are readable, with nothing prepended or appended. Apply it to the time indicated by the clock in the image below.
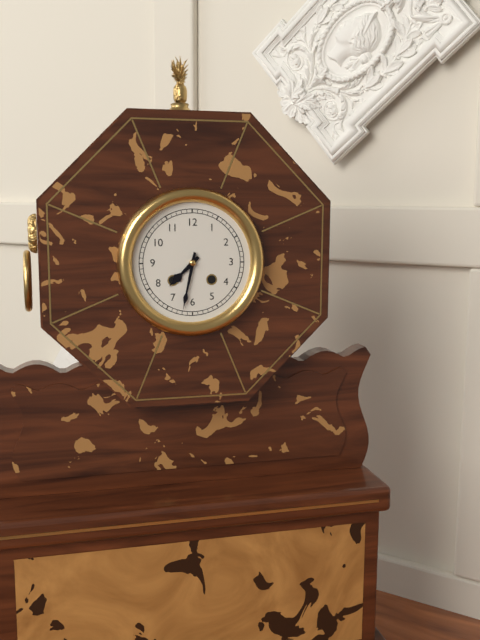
h=7 m=32
